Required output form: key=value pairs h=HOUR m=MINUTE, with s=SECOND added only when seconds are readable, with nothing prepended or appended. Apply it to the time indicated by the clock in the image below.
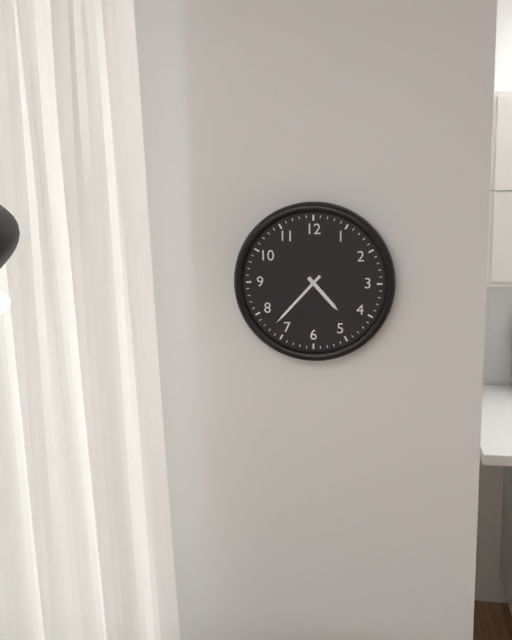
h=4 m=37
